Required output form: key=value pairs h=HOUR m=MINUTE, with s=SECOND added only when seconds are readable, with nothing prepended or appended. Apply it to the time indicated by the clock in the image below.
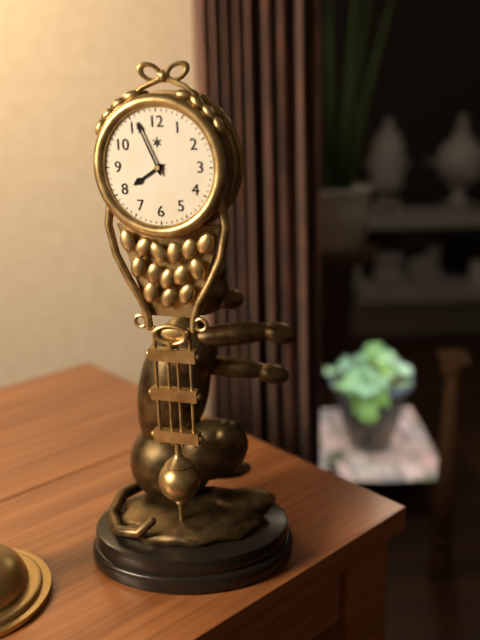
h=7 m=56
